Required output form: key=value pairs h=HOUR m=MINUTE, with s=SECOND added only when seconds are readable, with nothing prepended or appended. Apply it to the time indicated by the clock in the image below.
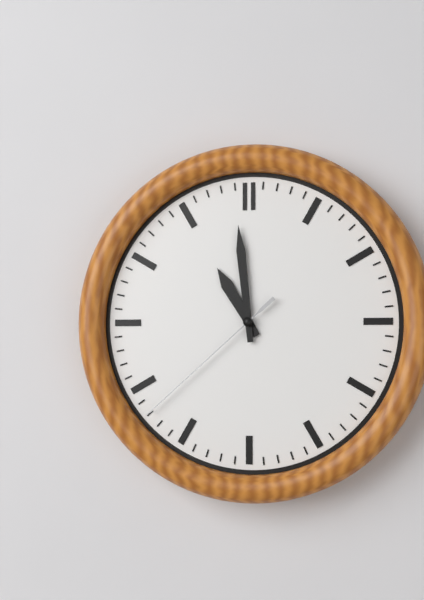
h=10 m=59 s=38
